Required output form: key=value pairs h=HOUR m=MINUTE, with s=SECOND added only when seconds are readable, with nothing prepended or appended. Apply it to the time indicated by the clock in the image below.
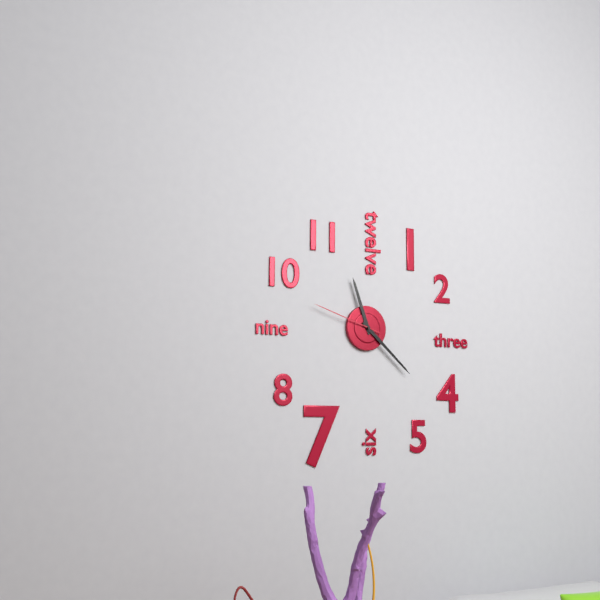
h=11 m=22 s=48
